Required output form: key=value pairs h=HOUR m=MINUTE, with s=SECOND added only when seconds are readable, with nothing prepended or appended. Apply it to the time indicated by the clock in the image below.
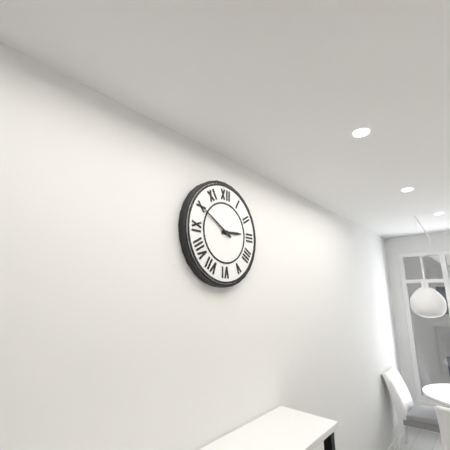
h=2 m=50
